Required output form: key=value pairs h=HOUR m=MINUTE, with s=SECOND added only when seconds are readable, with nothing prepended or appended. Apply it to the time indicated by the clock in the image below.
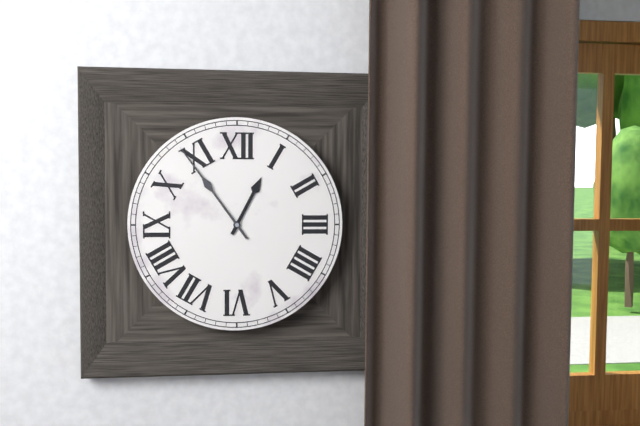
h=12 m=54
